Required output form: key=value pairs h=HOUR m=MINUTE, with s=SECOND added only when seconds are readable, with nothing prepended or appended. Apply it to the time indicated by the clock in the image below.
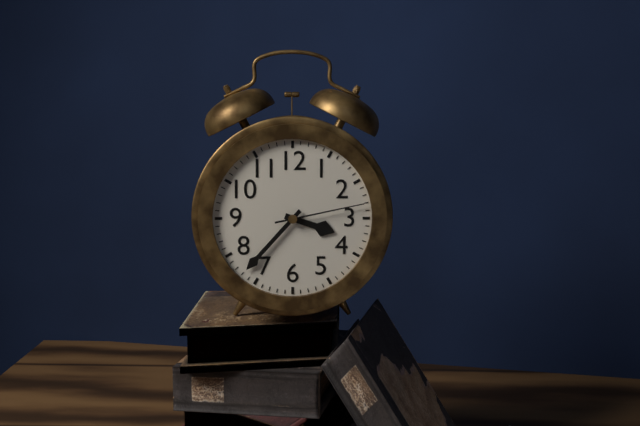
h=3 m=37 s=13
